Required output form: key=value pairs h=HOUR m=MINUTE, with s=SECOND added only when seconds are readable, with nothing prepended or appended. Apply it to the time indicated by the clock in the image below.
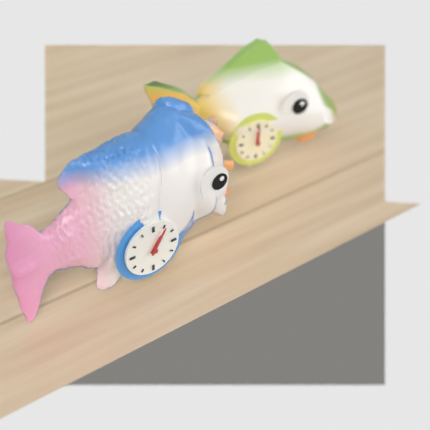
h=1 m=5
